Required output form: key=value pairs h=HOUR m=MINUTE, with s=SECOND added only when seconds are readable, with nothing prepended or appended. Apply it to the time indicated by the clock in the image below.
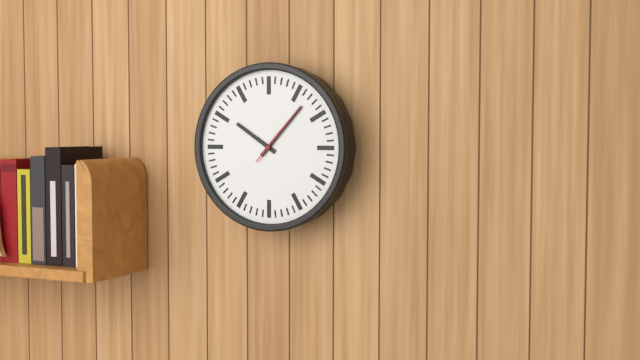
h=10 m=7 s=7
